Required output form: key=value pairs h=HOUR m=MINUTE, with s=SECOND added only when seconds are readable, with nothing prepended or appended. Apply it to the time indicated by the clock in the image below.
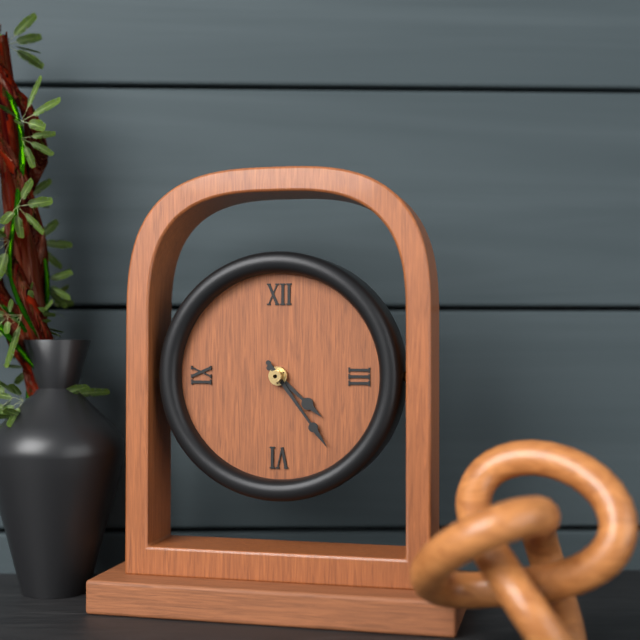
h=4 m=24
